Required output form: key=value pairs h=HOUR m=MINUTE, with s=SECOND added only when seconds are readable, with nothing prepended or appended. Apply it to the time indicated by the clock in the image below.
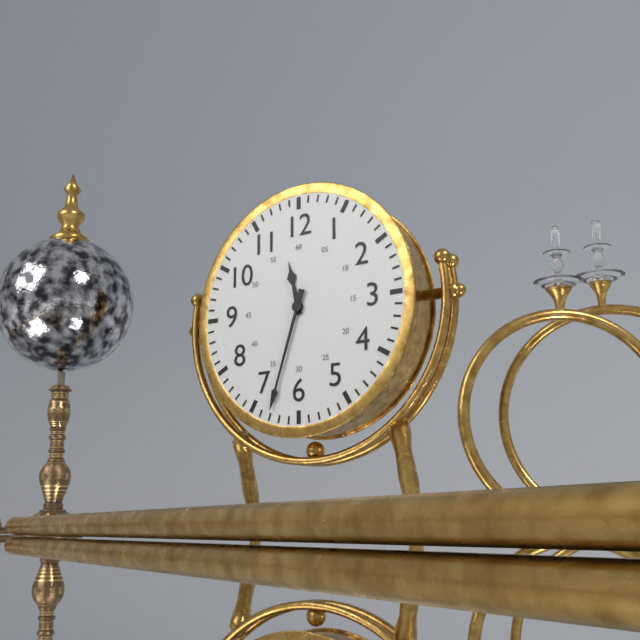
h=11 m=33
